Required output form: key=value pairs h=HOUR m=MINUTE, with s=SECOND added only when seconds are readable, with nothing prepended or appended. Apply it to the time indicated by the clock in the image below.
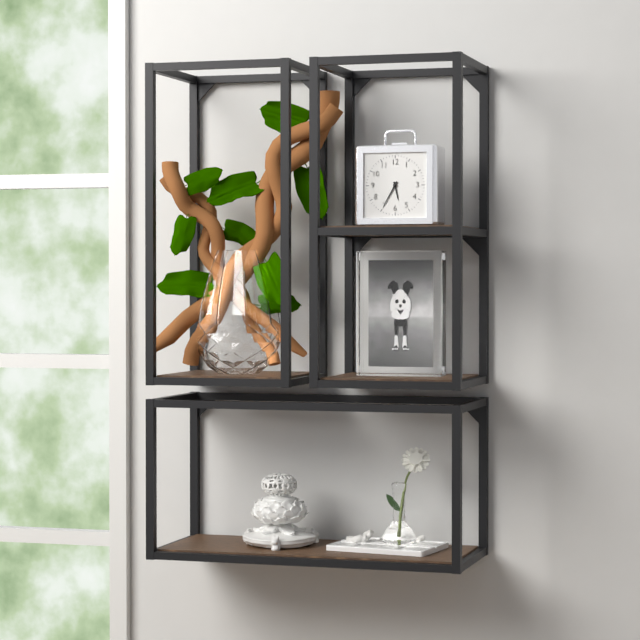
h=5 m=35
